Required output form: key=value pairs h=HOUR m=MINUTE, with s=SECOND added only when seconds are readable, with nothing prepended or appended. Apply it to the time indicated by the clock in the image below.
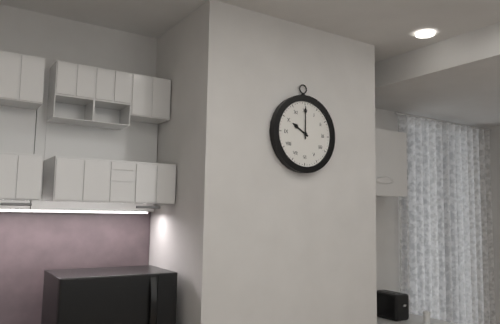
h=10 m=0
